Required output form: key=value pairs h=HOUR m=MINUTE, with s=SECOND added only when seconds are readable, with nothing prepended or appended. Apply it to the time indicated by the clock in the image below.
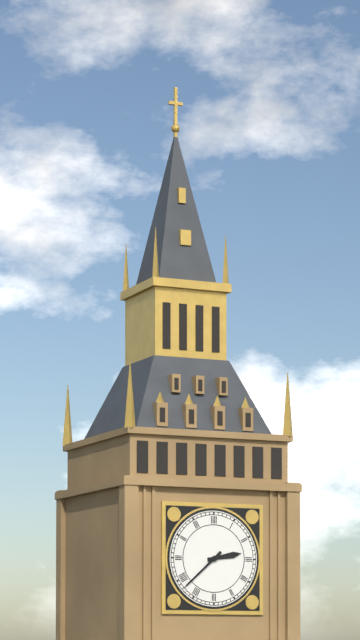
h=2 m=38
